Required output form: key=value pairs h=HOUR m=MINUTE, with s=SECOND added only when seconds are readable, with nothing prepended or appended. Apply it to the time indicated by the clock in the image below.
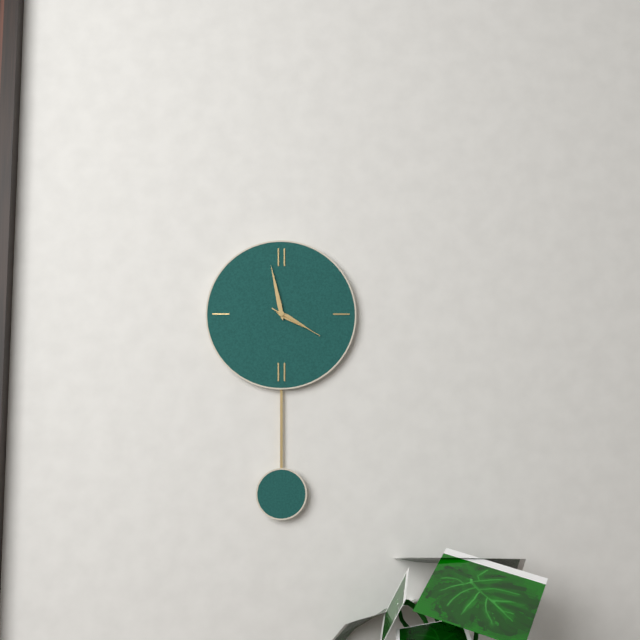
h=3 m=58 s=20
